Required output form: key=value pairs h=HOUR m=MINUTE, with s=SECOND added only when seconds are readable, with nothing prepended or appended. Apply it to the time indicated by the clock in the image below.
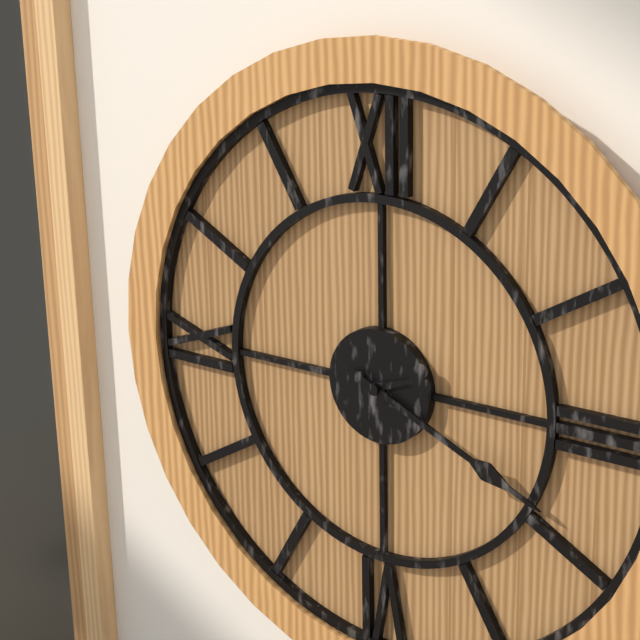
h=2 m=19
